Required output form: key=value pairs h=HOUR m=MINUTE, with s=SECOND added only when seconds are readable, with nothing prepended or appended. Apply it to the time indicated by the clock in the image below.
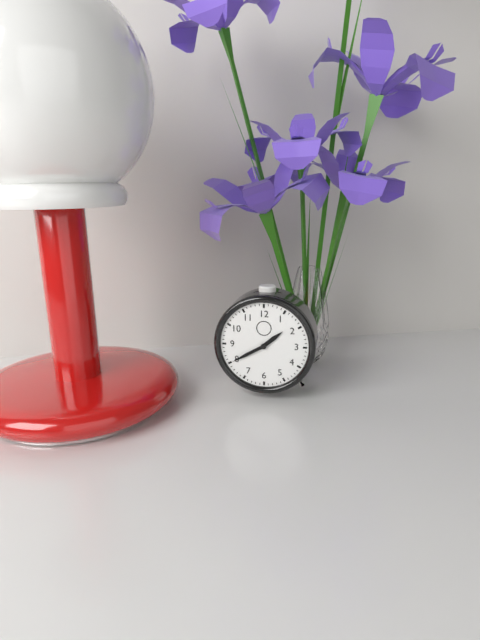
h=1 m=40
